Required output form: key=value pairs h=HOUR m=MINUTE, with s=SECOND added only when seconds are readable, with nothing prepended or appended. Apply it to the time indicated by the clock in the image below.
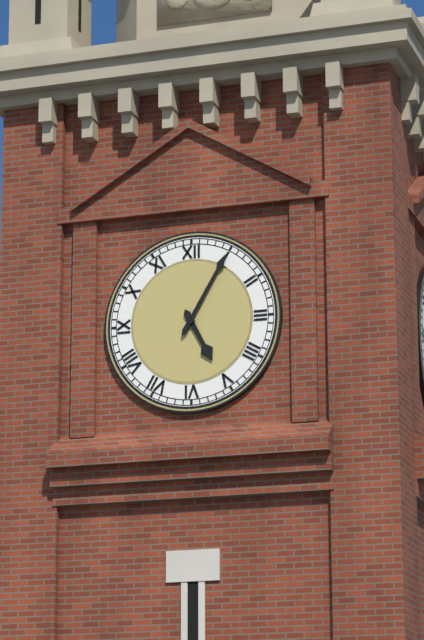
h=5 m=5
